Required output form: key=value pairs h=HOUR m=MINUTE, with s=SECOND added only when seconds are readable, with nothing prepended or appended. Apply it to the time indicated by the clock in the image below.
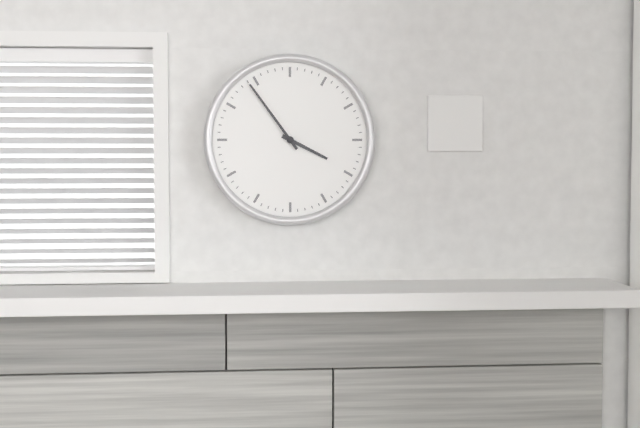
h=3 m=54
